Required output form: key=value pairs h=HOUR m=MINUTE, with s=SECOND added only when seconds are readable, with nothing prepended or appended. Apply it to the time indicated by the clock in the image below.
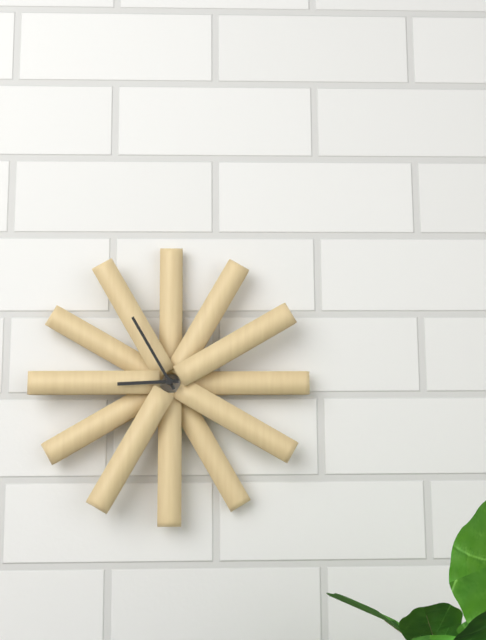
h=8 m=55
